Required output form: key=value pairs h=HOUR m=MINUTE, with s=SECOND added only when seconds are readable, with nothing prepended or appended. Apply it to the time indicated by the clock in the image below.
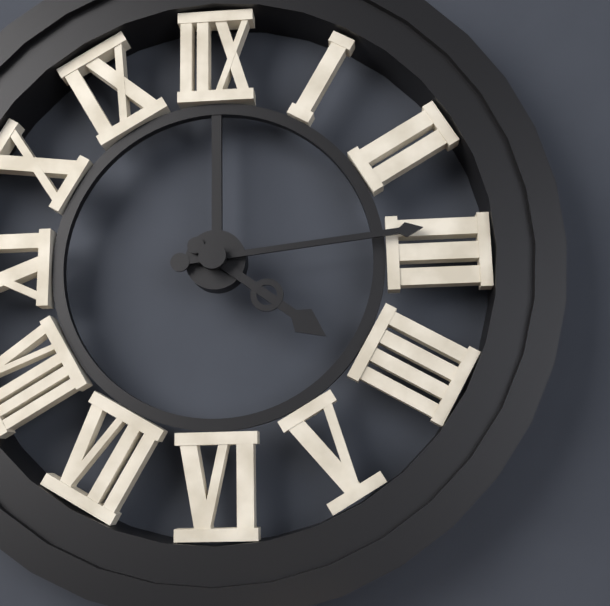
h=4 m=14
